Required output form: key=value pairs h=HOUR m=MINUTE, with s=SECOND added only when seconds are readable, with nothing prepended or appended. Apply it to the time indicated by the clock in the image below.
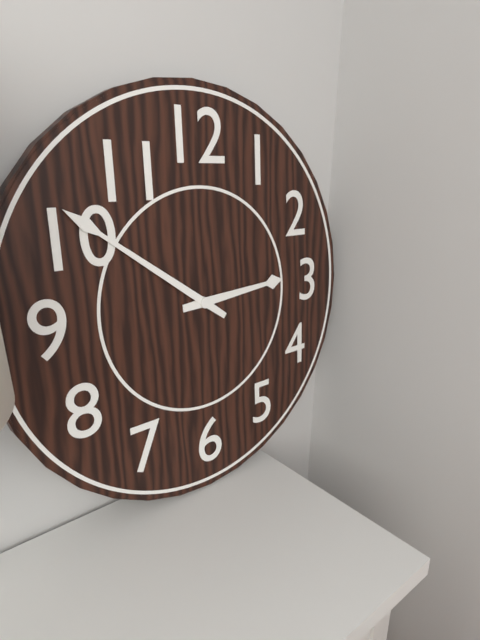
h=2 m=51
